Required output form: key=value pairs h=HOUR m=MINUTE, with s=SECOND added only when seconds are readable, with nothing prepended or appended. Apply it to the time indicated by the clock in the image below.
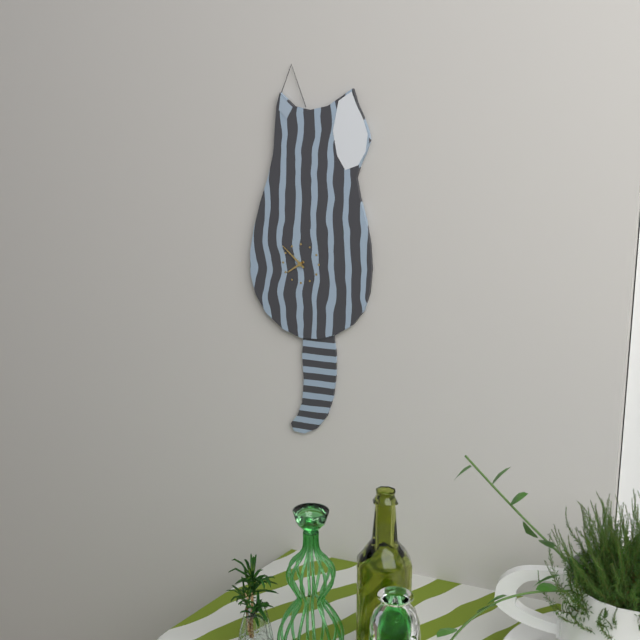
h=7 m=52
